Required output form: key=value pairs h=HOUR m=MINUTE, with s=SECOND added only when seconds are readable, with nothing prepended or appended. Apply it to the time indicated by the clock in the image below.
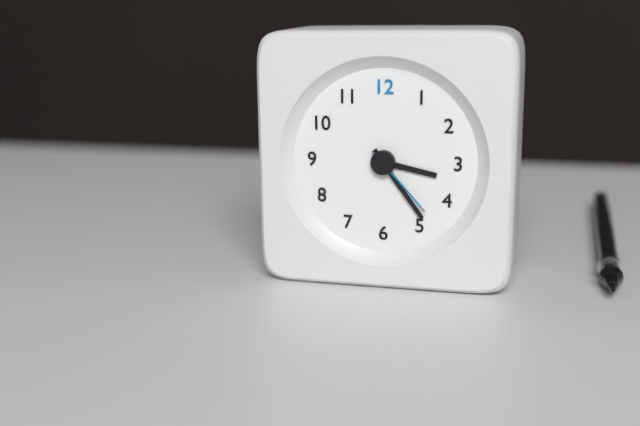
h=3 m=24 s=23
